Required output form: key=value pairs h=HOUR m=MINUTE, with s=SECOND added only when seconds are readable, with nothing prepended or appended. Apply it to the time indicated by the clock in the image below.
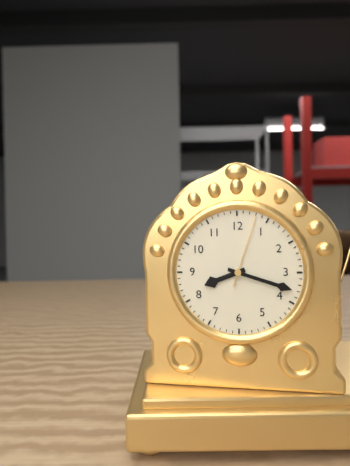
h=8 m=18 s=3
